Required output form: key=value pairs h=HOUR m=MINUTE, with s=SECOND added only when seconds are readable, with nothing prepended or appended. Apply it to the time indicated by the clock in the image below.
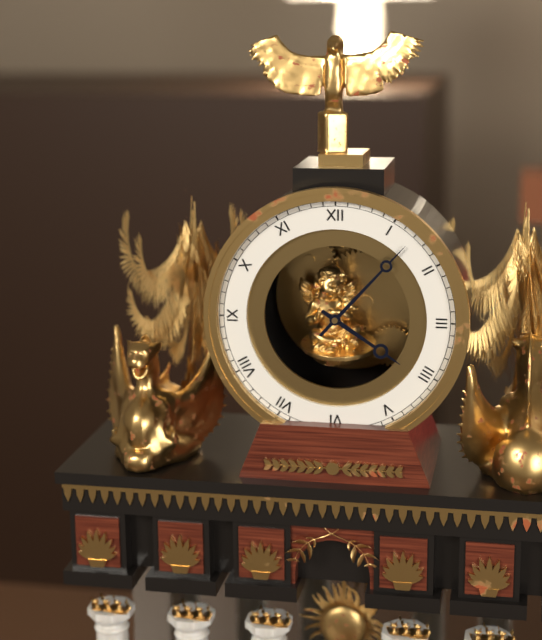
h=4 m=7
